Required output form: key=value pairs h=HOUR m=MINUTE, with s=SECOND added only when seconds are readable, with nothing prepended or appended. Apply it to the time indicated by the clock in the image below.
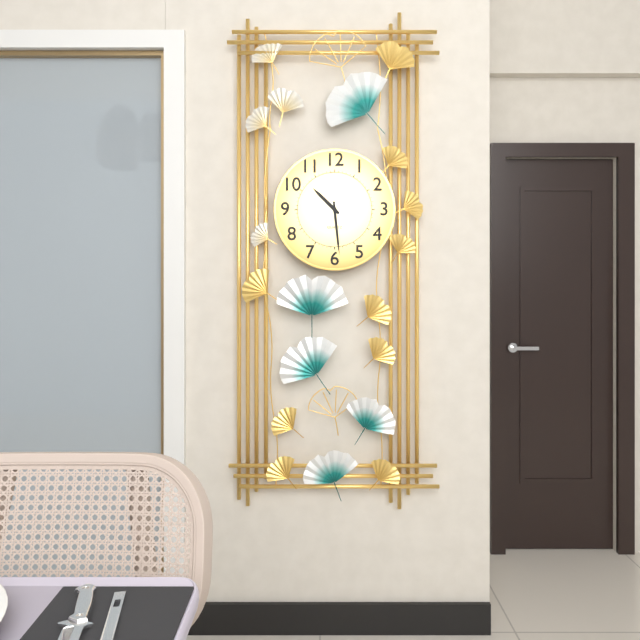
h=10 m=29
